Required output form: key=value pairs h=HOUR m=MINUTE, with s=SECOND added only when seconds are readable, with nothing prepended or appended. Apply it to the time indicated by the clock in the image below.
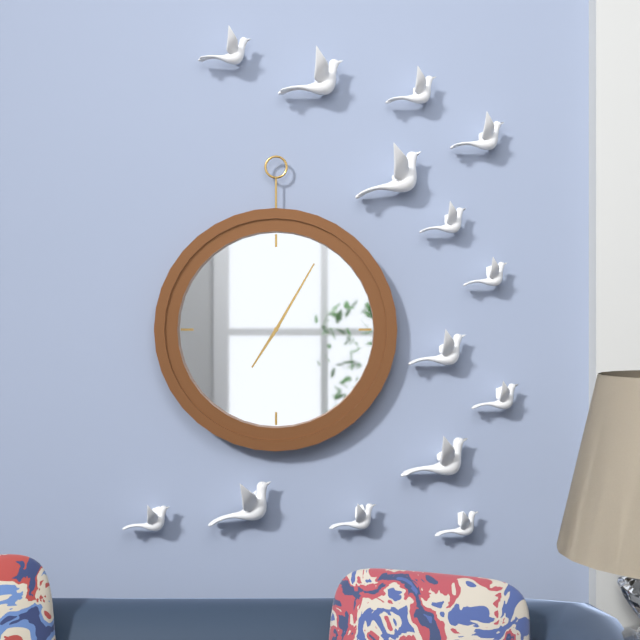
h=7 m=5
